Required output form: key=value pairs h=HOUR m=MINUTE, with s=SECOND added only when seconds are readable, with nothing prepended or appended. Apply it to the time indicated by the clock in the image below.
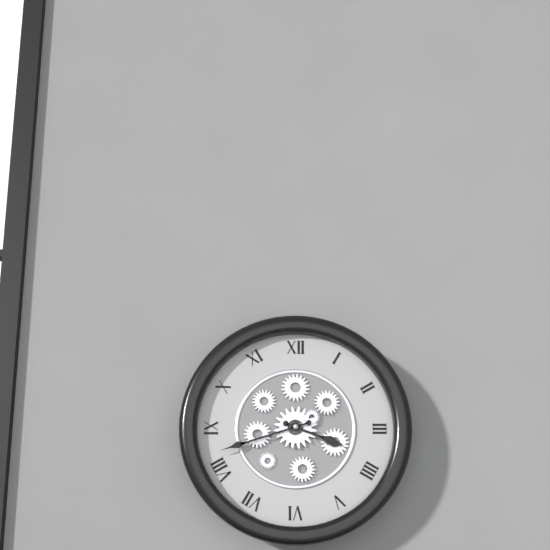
h=3 m=42
